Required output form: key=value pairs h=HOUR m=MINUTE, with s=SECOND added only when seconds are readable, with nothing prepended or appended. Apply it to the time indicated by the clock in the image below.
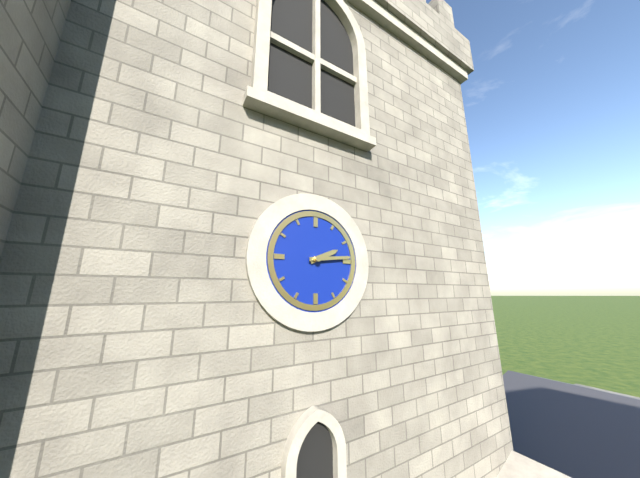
h=2 m=14
